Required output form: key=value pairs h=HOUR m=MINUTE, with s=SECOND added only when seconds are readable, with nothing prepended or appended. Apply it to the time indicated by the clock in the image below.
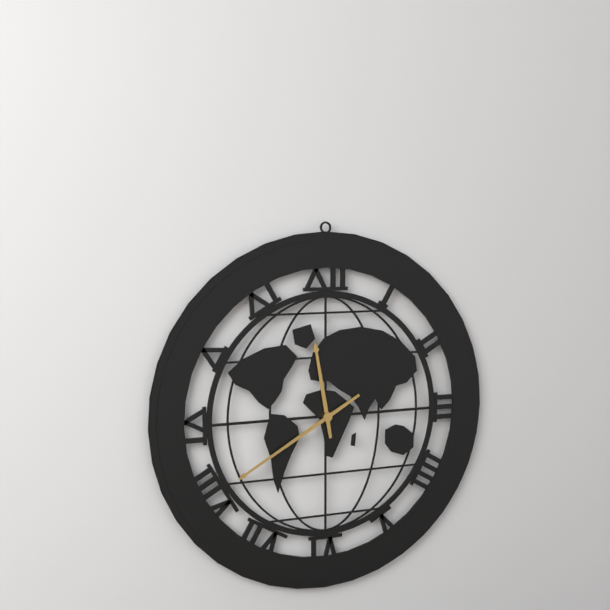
h=11 m=40
